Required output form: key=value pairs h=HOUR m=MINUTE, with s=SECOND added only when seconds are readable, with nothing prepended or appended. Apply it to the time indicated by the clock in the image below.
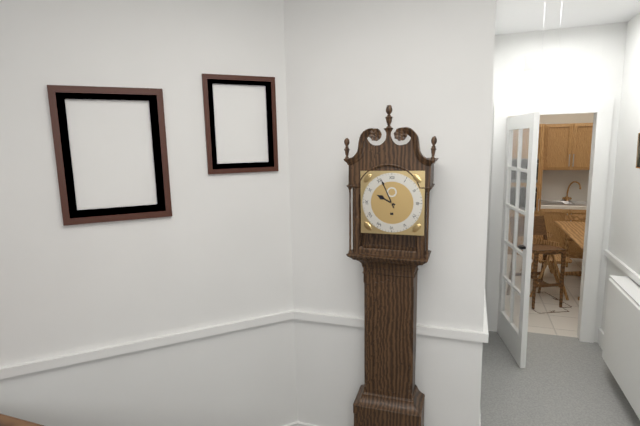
h=9 m=56
